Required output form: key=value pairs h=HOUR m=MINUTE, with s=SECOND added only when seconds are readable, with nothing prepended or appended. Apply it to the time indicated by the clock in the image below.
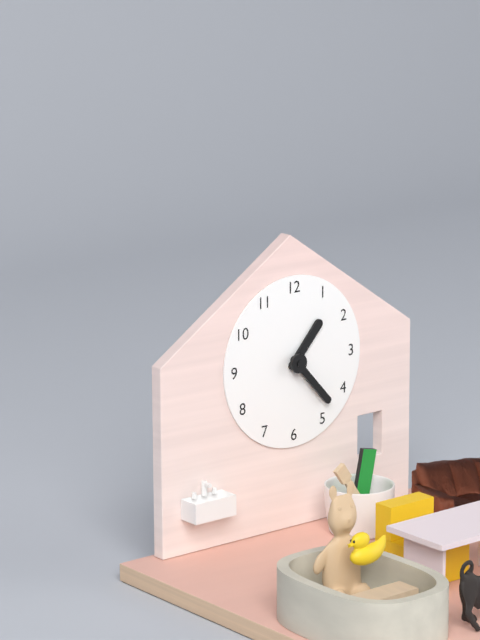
h=1 m=23
